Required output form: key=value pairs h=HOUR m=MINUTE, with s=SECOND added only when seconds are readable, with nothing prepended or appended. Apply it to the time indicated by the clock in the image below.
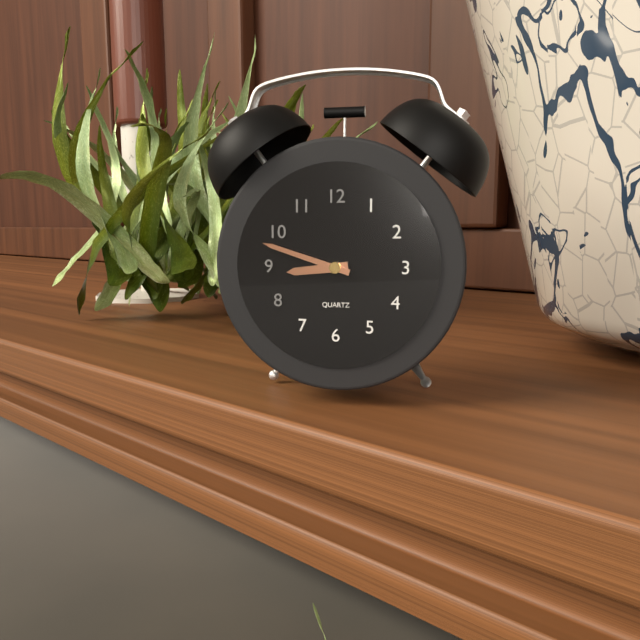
h=8 m=48
